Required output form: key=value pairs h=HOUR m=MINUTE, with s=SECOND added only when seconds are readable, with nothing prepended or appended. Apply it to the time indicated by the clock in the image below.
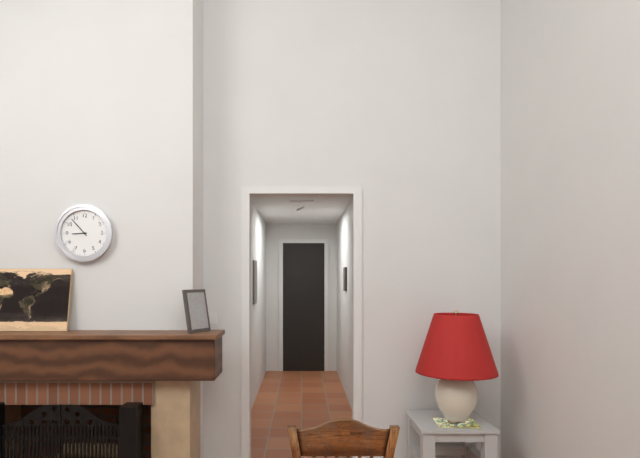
h=8 m=53
